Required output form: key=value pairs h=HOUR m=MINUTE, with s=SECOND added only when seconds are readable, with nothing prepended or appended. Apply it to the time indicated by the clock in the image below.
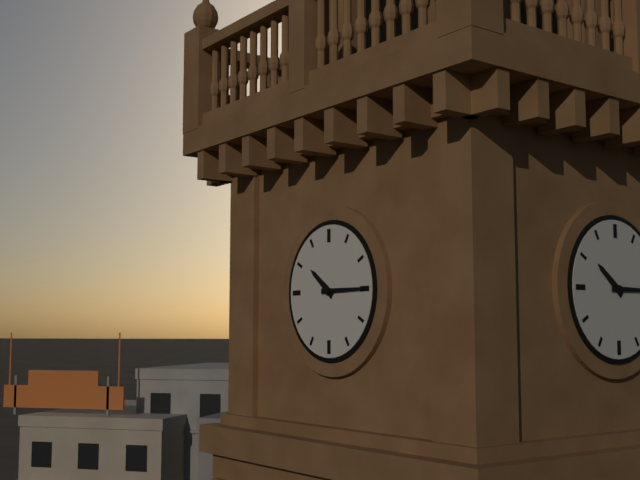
h=10 m=15
